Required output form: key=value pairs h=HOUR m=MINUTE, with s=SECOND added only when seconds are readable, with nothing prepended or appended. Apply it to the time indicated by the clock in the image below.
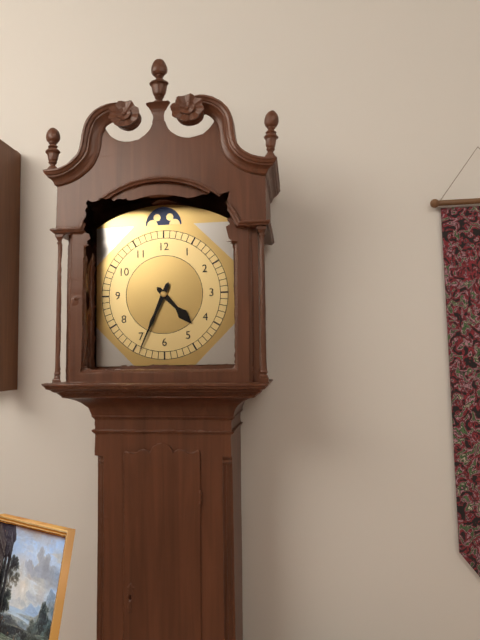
h=4 m=34
